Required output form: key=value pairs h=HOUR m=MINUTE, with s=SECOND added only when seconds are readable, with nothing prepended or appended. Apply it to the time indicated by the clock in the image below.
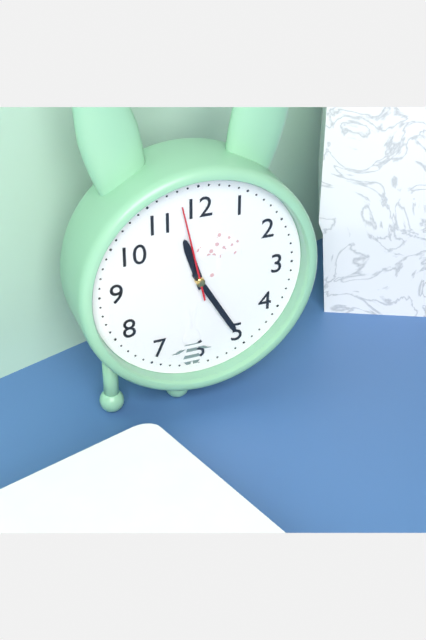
h=11 m=25 s=58
